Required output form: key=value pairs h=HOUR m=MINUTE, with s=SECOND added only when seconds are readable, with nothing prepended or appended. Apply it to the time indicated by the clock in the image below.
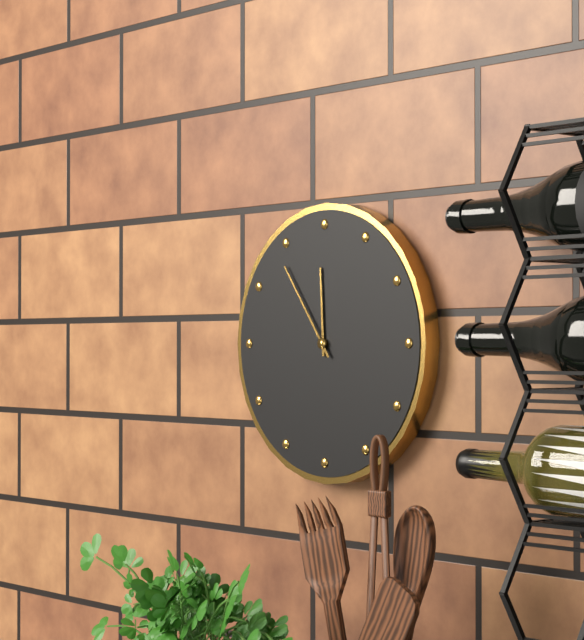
h=11 m=54
